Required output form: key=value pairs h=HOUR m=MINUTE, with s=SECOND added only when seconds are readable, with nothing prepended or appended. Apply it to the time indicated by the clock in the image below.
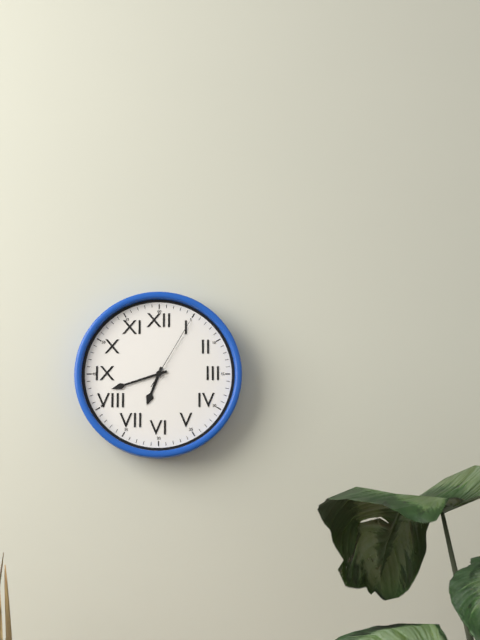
h=6 m=42 s=5
